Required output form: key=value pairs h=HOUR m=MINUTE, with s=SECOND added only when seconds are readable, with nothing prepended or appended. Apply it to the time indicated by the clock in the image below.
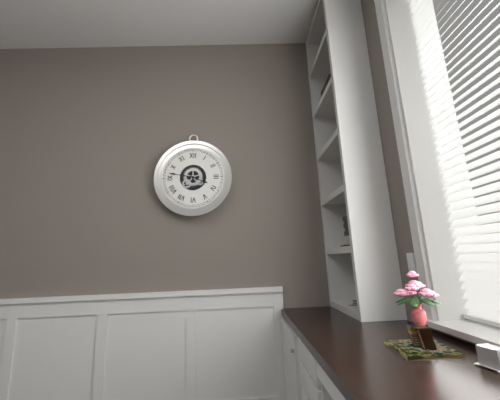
h=3 m=47
